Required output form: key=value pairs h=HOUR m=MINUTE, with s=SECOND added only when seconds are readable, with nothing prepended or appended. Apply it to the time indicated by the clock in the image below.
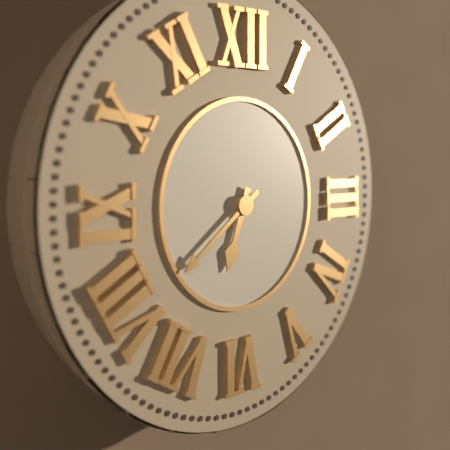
h=6 m=39
